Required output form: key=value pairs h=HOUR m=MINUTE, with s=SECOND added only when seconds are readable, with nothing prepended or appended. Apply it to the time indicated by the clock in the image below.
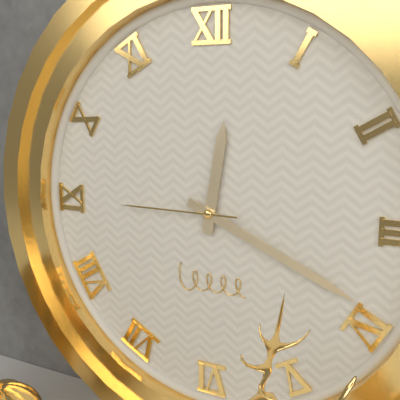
h=12 m=19 s=45
